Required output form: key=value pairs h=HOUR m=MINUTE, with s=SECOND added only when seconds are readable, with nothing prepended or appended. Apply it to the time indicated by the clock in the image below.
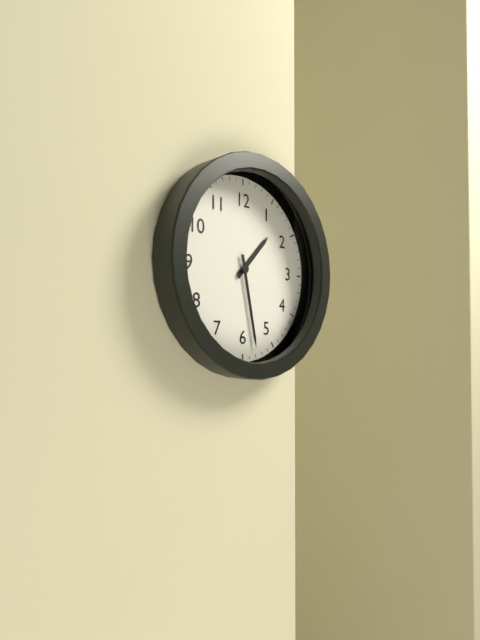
h=1 m=28
